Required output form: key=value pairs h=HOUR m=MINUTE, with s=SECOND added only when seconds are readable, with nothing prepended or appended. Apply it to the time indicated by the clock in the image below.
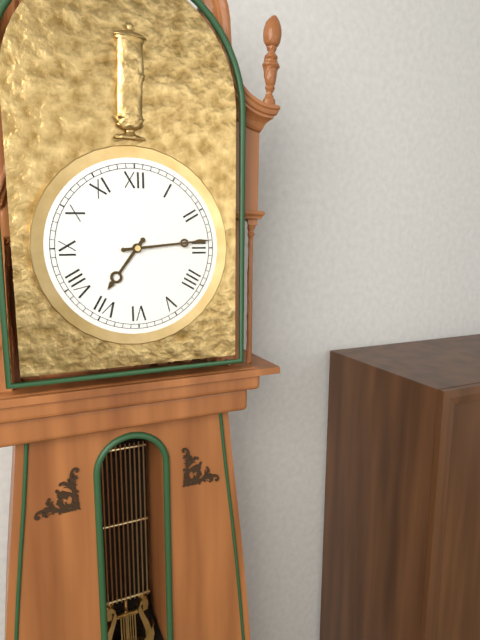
h=7 m=14
